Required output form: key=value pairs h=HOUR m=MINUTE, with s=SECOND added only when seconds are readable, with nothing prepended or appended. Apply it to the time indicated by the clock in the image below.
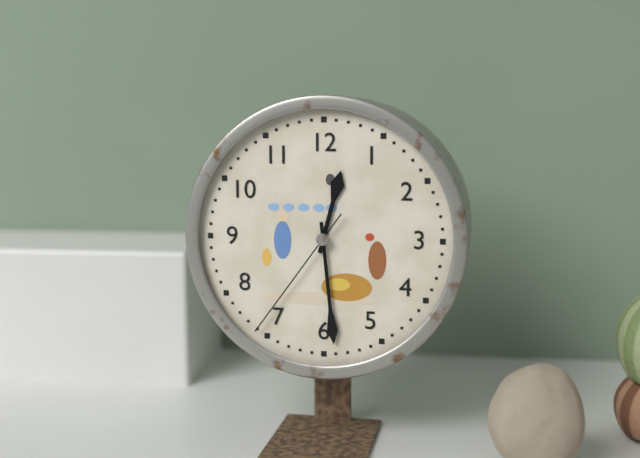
h=12 m=29 s=36
